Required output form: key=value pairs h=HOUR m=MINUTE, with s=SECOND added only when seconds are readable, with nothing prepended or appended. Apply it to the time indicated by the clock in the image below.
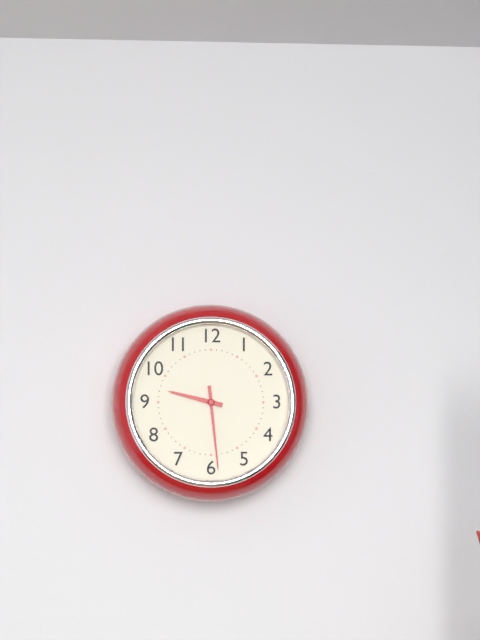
h=9 m=29
